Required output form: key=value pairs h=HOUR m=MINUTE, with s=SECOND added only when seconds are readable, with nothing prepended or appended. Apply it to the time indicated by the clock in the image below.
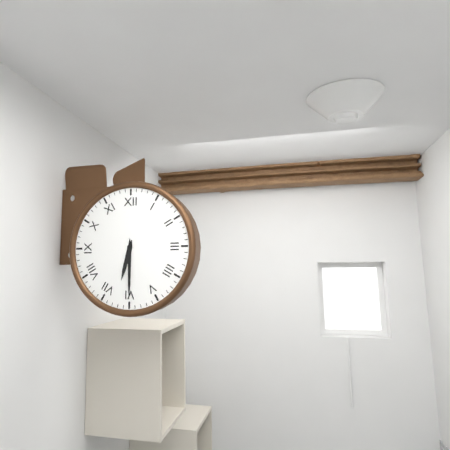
h=6 m=30
